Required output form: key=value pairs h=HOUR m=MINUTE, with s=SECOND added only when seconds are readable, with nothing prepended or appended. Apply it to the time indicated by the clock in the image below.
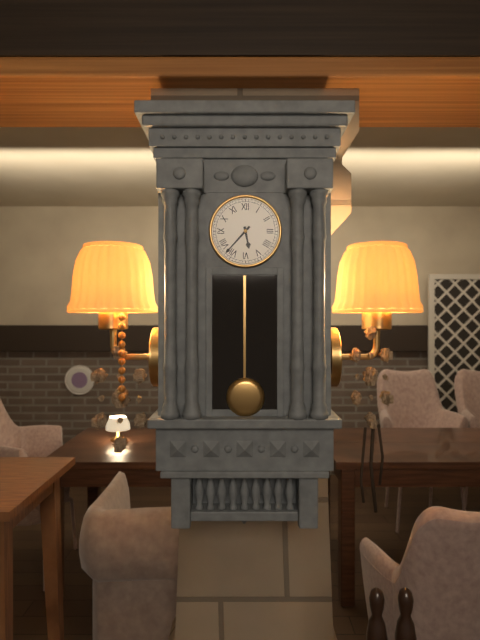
h=5 m=37
